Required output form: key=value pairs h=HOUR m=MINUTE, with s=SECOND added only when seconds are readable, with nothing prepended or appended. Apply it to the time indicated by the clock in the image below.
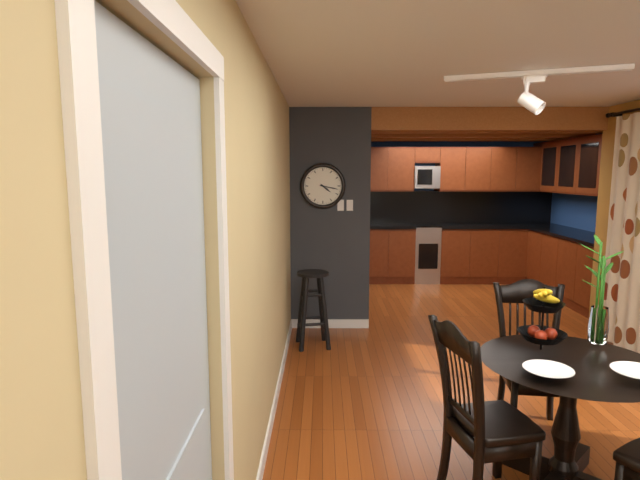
h=4 m=17
